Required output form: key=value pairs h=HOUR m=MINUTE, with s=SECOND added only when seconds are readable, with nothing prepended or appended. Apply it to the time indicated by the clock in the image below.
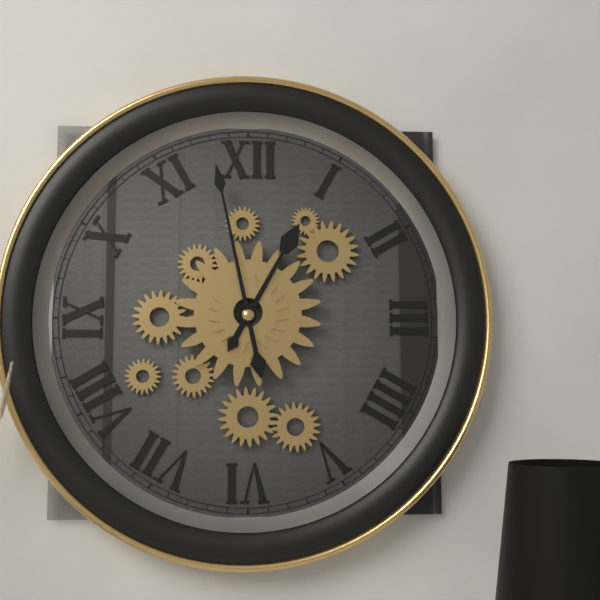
h=12 m=58
